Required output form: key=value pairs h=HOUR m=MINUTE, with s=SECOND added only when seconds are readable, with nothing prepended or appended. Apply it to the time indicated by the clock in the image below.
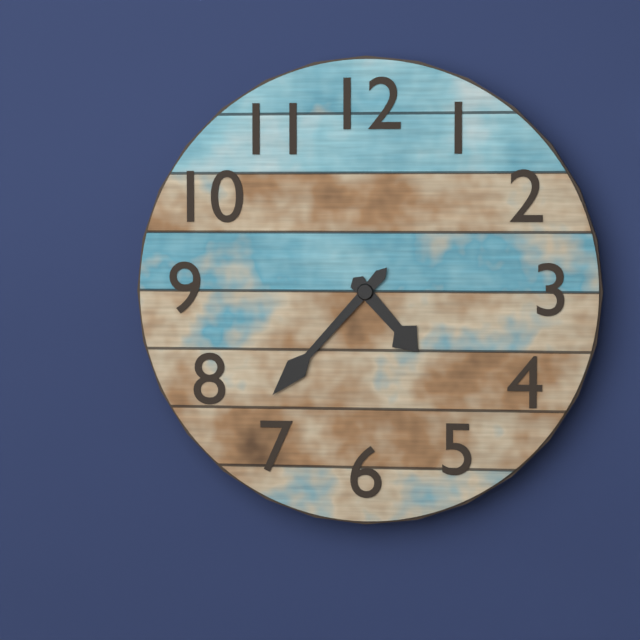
h=4 m=37
